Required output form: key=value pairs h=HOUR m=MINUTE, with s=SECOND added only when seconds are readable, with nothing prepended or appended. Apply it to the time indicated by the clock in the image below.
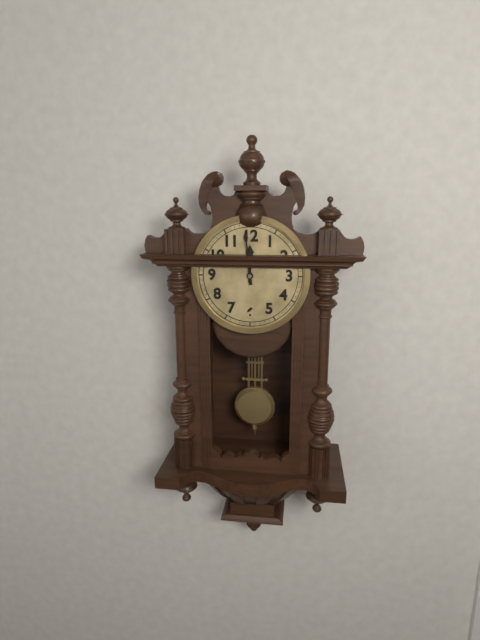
h=11 m=59
